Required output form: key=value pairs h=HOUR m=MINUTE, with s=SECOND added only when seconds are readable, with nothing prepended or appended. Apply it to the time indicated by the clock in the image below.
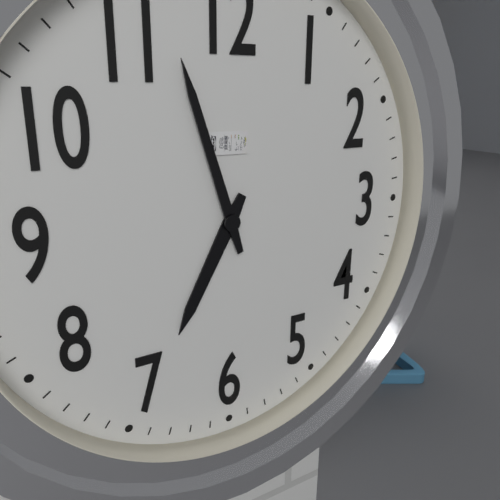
h=6 m=57
